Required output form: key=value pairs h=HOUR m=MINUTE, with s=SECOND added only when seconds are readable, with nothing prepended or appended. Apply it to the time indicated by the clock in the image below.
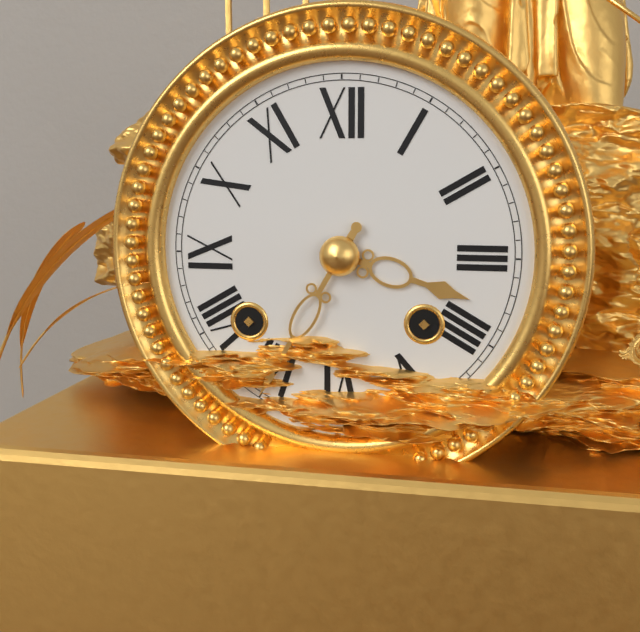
h=3 m=35
